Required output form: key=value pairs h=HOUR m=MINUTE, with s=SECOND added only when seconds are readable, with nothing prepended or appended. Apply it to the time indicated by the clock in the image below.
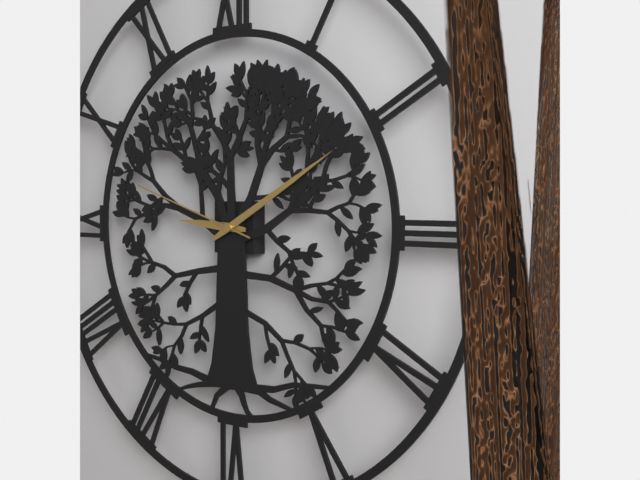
h=9 m=10 s=48
